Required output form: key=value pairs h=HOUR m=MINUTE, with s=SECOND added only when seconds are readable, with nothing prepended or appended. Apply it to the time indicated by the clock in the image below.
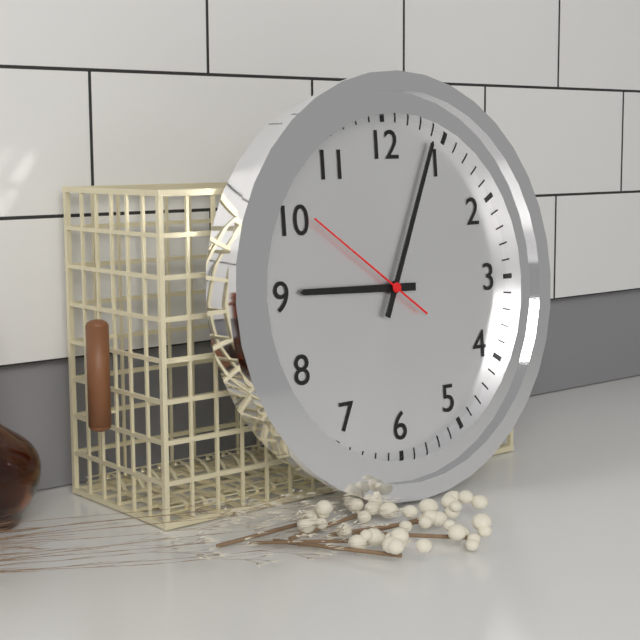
h=9 m=4 s=51
